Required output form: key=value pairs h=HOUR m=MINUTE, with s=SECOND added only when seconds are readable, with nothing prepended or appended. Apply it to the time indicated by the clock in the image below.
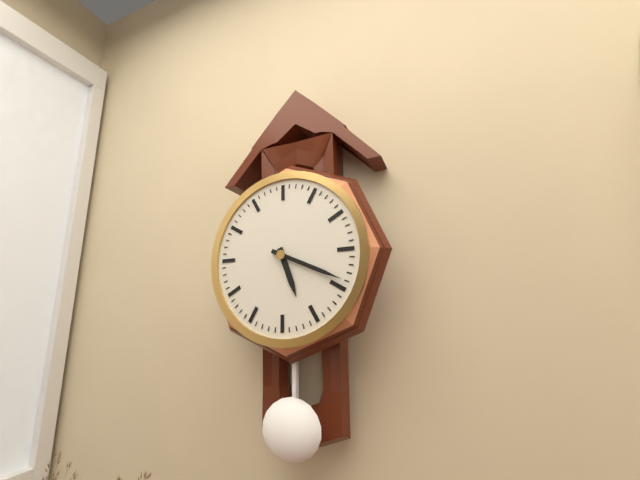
h=5 m=19
